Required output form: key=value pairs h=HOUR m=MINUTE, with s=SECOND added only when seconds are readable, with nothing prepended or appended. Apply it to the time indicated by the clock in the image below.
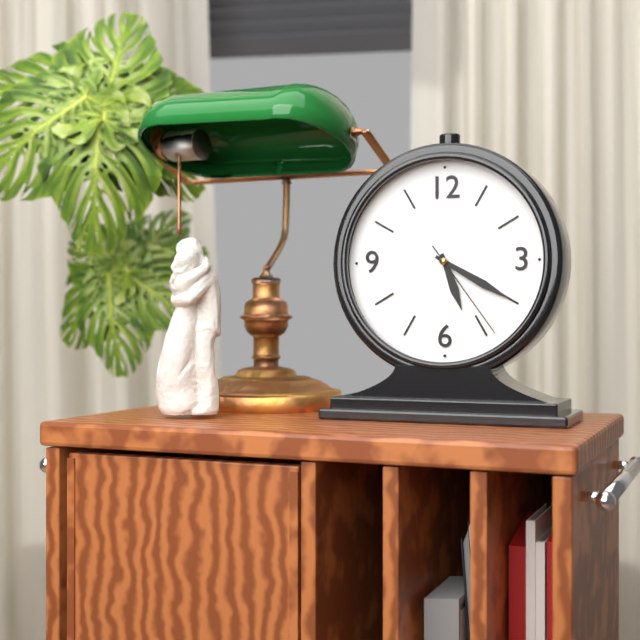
h=5 m=20 s=24
